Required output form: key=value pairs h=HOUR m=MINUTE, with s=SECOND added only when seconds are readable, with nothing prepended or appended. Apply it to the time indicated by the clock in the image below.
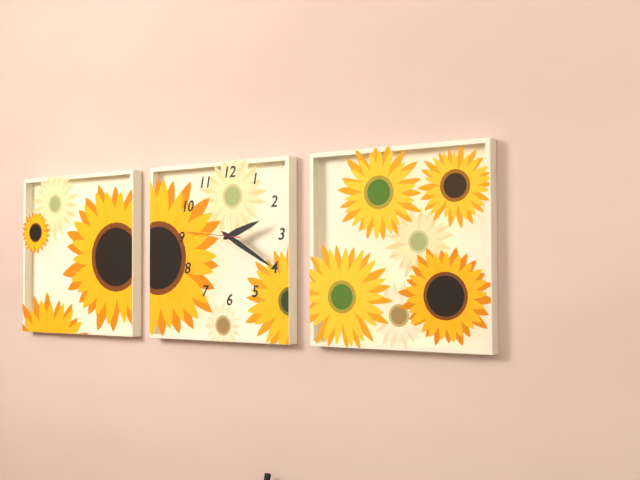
h=2 m=20 s=46
